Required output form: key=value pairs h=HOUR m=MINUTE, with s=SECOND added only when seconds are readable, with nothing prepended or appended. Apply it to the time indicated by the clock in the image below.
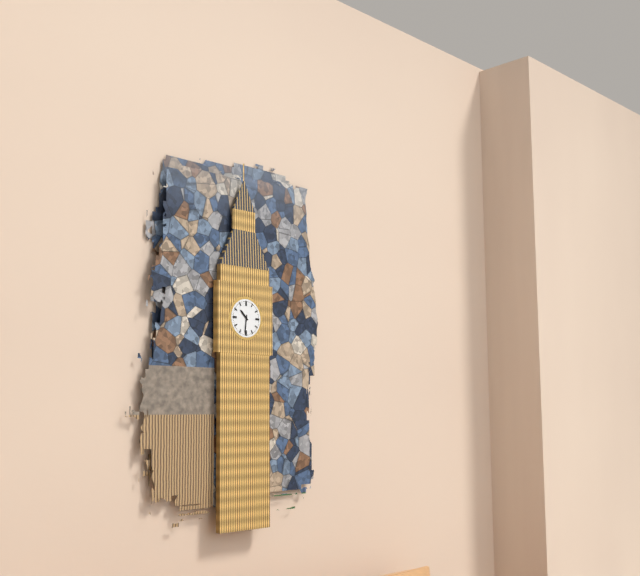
h=10 m=31
